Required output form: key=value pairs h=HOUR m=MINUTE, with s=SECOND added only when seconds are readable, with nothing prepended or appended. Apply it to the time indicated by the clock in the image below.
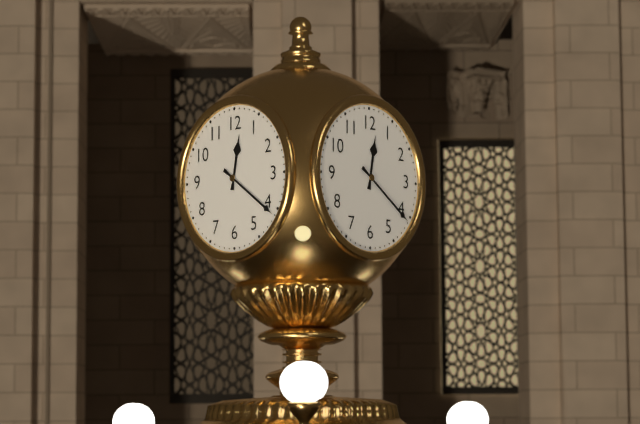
h=12 m=21
